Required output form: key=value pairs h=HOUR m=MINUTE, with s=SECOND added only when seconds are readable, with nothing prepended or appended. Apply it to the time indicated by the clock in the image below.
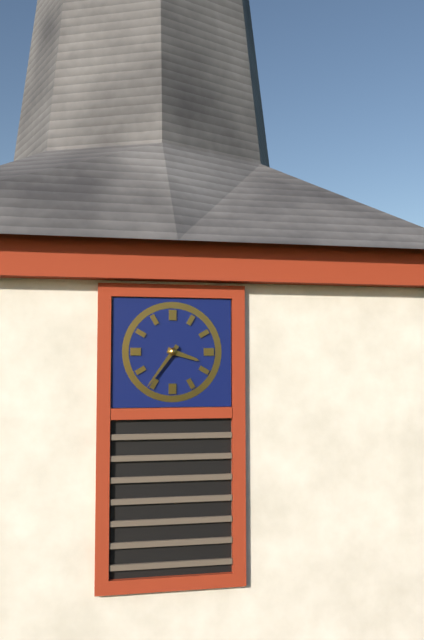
h=3 m=36
